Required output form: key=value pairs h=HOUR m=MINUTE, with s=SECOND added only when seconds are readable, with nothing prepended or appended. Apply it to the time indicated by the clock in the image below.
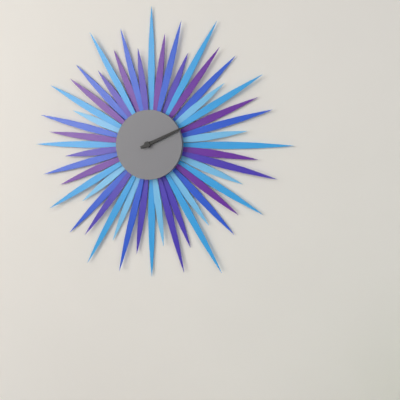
h=2 m=11
